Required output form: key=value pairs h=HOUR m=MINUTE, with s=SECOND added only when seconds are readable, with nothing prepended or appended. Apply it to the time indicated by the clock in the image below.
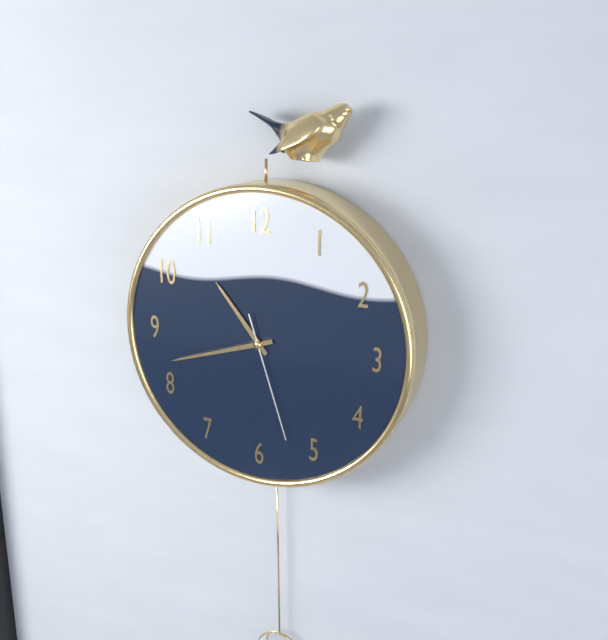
h=10 m=42 s=27
